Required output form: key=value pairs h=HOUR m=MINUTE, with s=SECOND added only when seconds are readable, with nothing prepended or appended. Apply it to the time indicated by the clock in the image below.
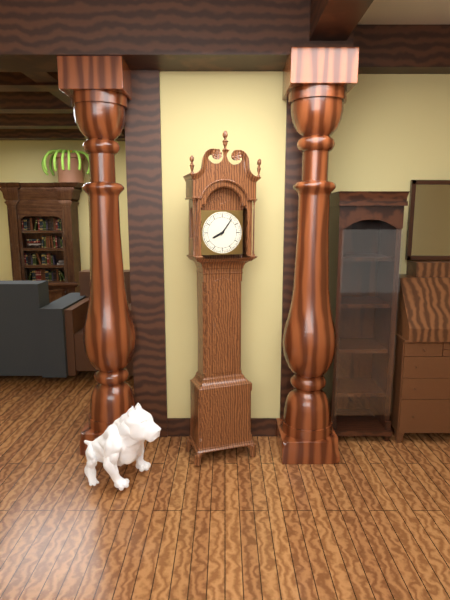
h=8 m=6
